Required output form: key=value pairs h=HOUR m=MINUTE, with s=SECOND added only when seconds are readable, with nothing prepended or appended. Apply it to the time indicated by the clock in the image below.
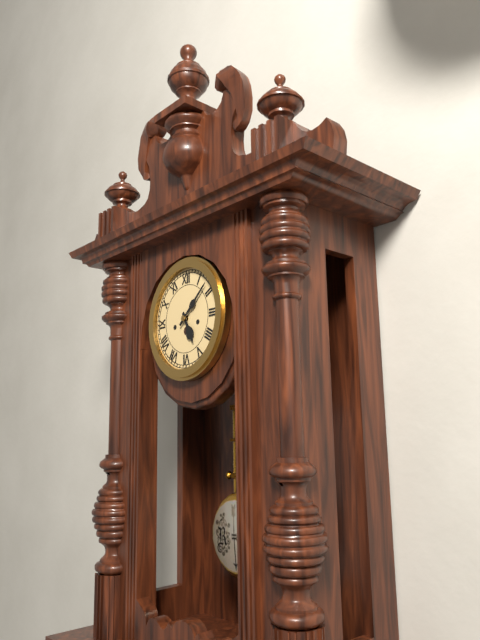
h=5 m=8
